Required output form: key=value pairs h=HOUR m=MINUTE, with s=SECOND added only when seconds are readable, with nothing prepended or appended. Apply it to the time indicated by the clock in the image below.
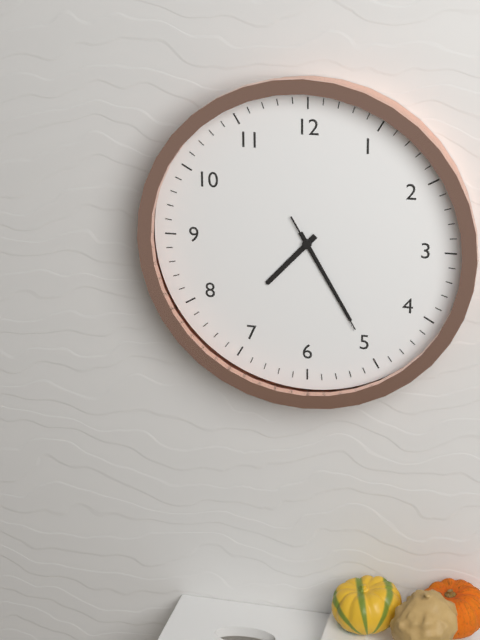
h=7 m=25 s=25
